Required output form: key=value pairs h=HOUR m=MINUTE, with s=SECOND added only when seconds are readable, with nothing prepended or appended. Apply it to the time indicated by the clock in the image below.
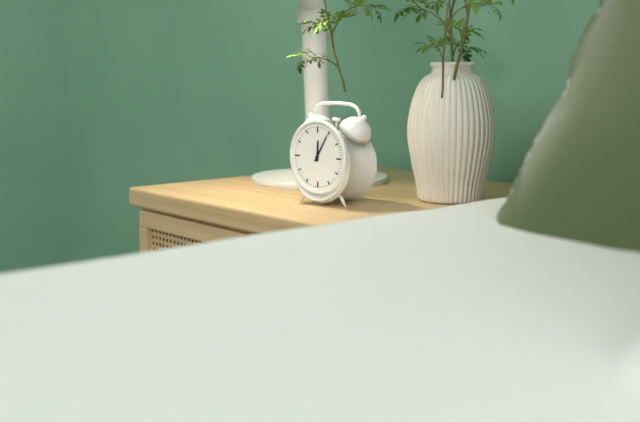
h=12 m=5
